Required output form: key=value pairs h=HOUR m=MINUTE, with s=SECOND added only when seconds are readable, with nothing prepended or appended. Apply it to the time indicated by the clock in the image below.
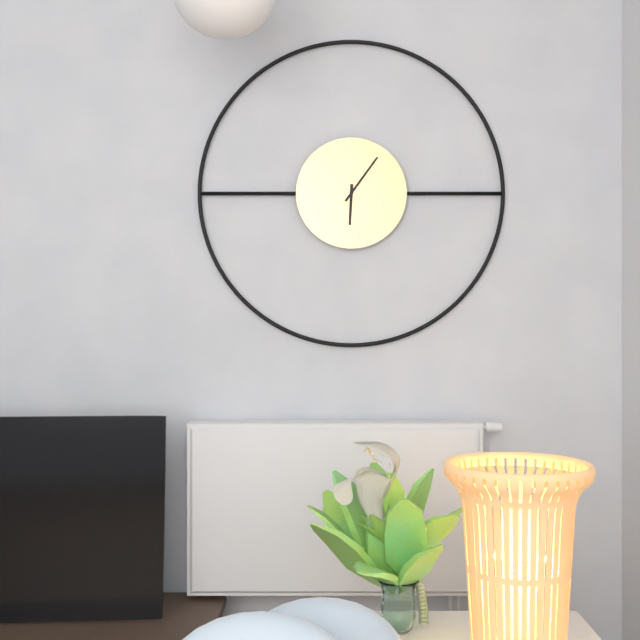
h=6 m=6
